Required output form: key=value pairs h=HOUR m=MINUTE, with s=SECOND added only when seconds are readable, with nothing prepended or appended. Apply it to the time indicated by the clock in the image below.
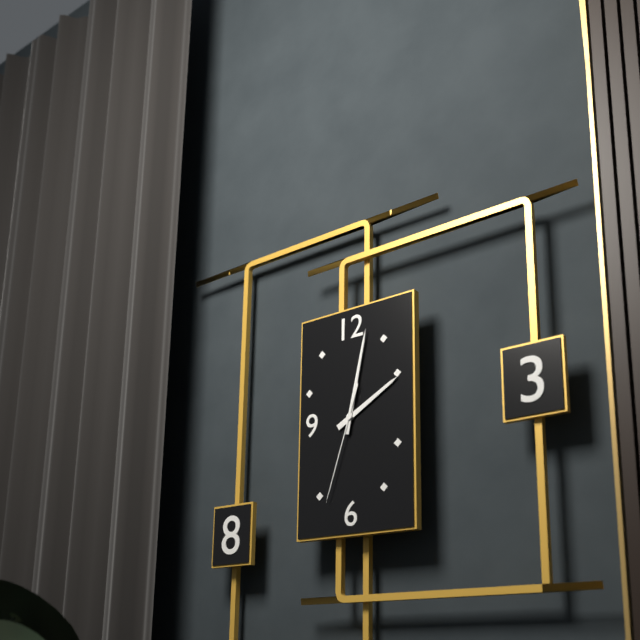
h=2 m=2 s=33
